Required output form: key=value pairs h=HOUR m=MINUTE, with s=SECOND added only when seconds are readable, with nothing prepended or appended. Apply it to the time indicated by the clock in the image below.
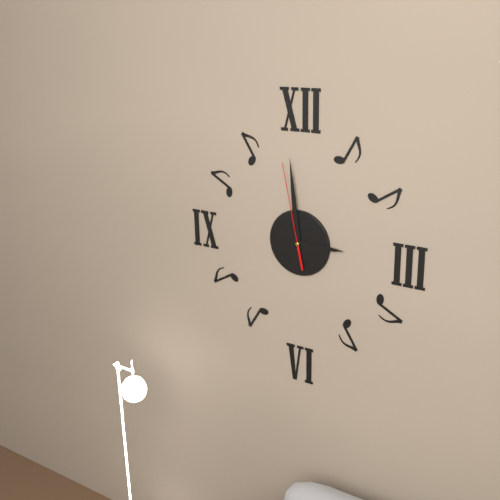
h=2 m=59 s=58
